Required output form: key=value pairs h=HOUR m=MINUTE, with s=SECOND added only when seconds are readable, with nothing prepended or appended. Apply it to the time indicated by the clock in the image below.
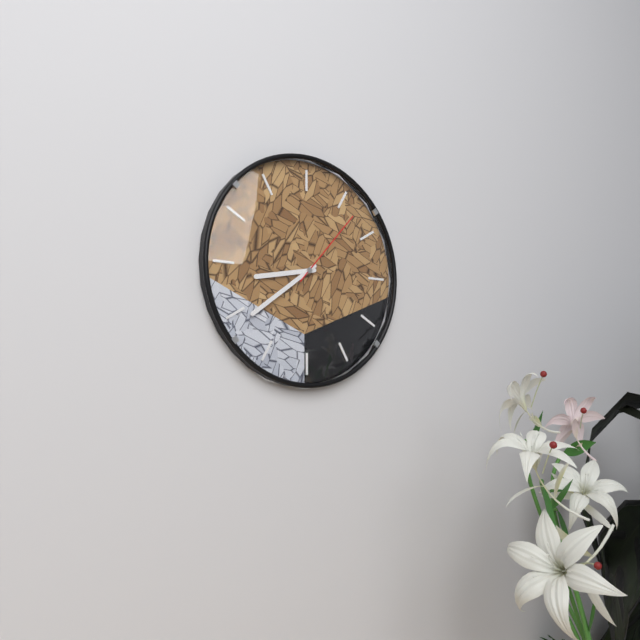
h=8 m=39 s=7
